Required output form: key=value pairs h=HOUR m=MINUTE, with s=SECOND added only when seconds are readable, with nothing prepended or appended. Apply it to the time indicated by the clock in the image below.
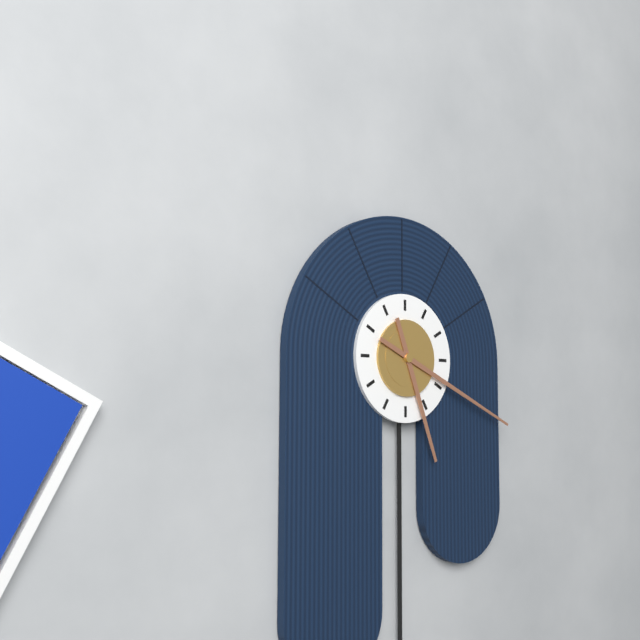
h=5 m=19
